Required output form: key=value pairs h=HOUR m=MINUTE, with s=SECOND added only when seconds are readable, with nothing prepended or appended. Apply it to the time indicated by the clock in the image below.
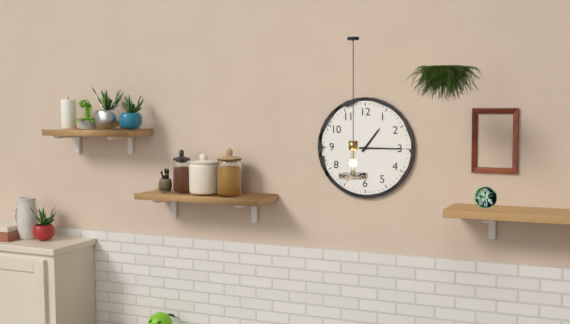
h=1 m=15
